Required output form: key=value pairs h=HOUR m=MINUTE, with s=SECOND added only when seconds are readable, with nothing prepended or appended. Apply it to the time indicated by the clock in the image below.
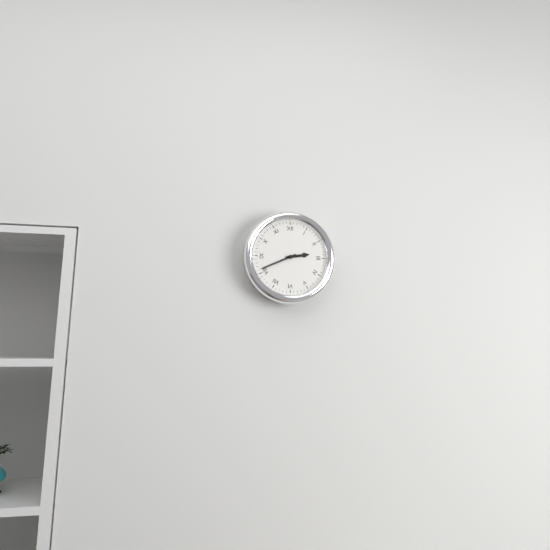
h=2 m=41
